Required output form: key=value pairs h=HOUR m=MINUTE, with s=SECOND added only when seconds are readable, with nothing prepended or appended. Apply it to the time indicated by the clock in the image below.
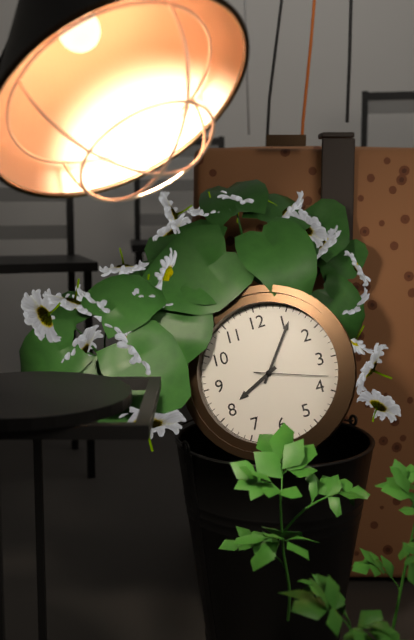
h=8 m=6 s=18
